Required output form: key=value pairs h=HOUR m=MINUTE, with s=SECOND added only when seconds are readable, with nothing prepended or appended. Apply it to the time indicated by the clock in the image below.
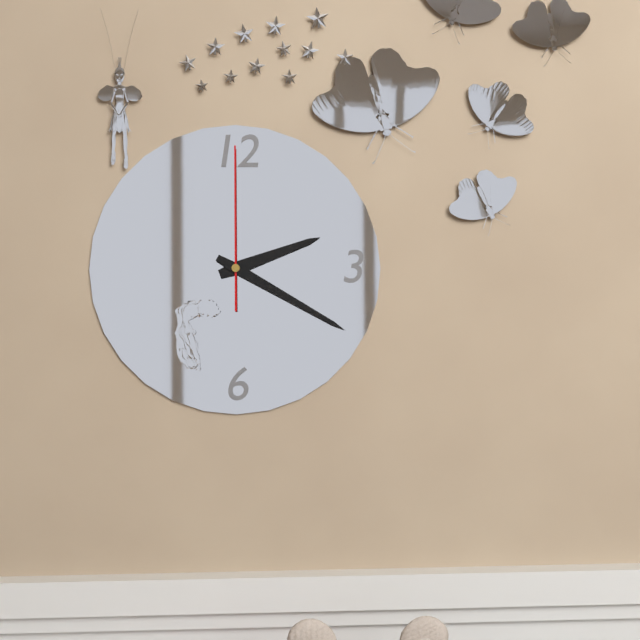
h=2 m=20 s=0
